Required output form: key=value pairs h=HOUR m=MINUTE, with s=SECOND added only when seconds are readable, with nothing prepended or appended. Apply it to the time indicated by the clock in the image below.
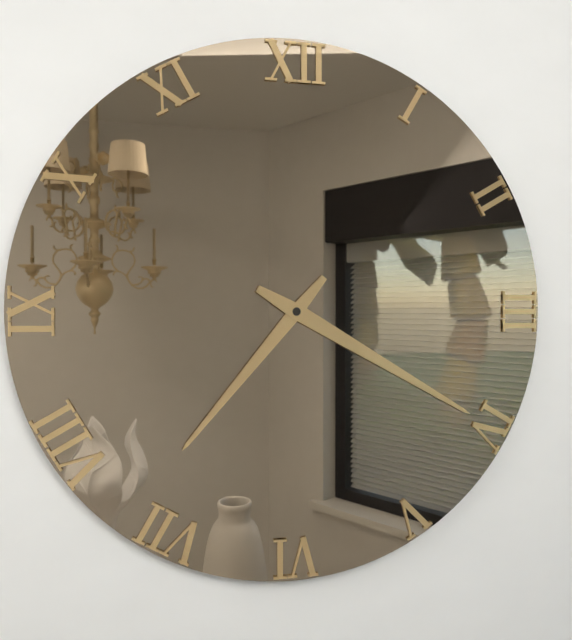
h=7 m=20
